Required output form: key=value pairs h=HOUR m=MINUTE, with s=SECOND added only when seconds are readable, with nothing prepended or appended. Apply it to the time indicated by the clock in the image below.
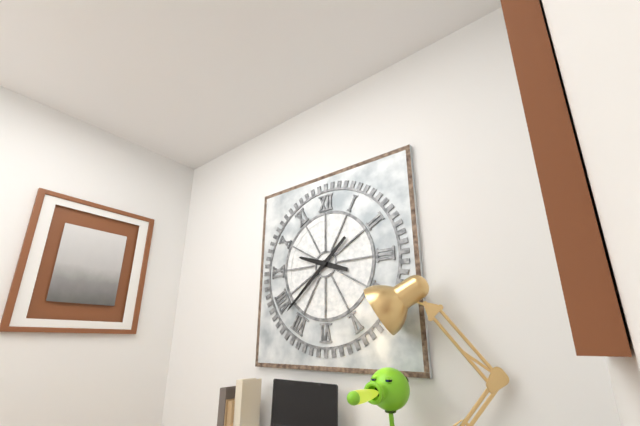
h=9 m=38
